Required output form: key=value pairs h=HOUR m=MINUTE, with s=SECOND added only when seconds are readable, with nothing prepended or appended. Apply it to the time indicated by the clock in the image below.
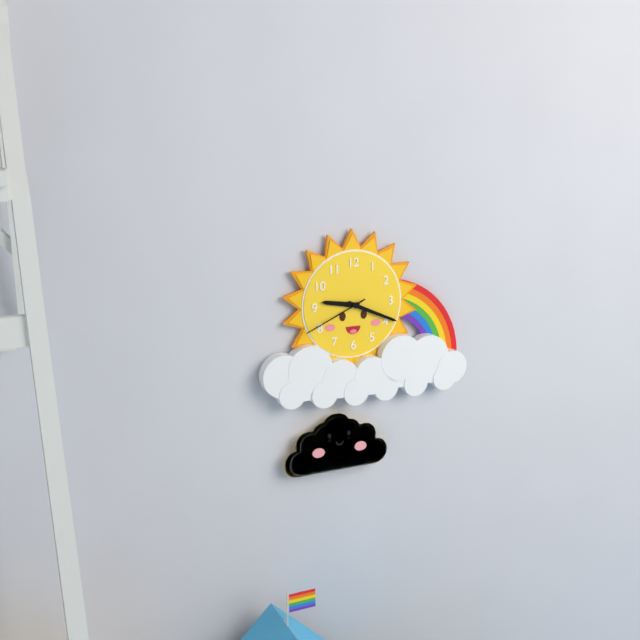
h=9 m=19 s=41
